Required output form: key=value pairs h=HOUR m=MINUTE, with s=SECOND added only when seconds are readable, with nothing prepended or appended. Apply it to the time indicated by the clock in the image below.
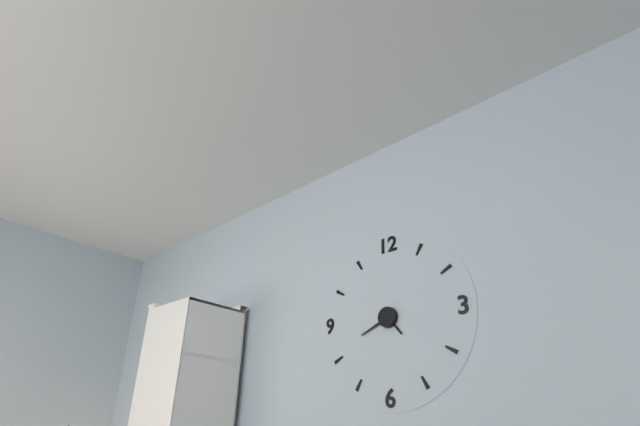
h=4 m=41
